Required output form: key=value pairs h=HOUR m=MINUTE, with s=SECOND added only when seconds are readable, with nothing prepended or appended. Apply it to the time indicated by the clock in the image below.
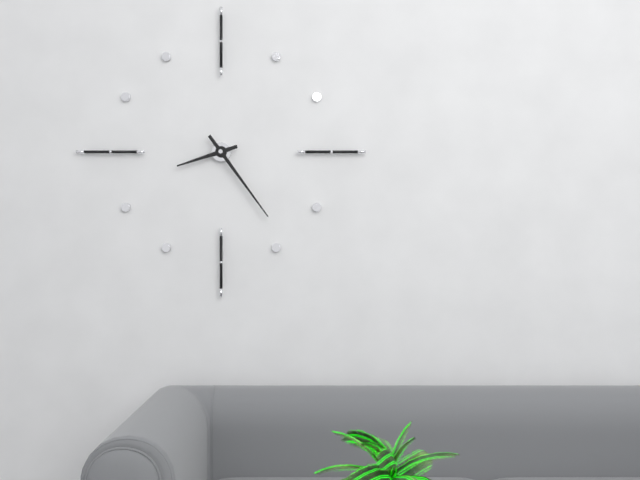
h=8 m=24
